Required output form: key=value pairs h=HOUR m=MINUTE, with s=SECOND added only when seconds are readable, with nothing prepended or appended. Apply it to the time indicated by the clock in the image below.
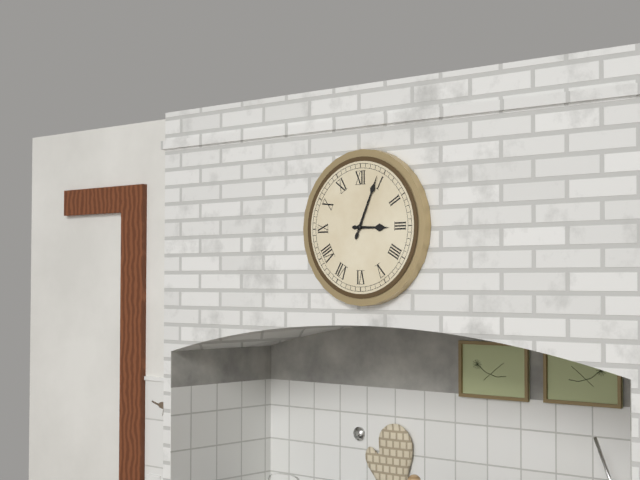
h=3 m=4
